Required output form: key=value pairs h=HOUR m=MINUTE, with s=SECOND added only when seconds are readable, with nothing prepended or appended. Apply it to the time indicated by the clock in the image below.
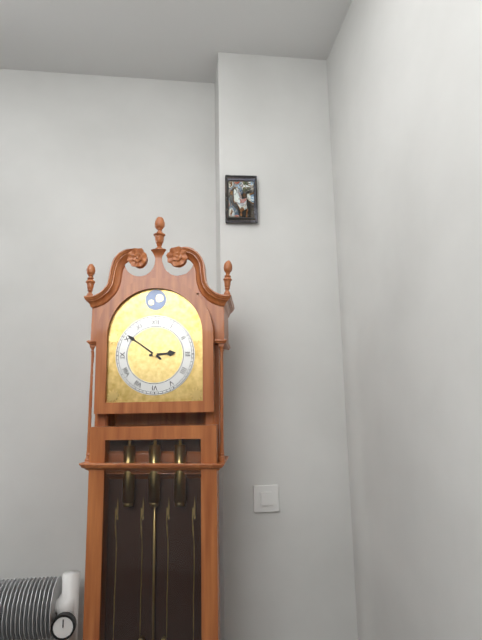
h=2 m=51
